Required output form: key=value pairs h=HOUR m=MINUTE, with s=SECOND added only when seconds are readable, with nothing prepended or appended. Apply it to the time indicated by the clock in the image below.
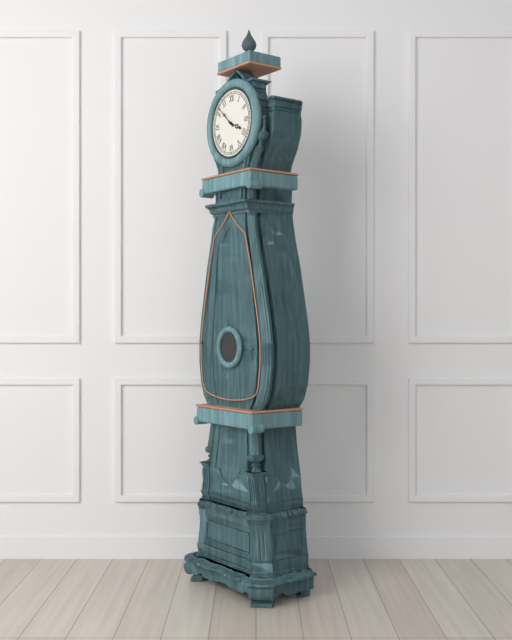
h=3 m=52
